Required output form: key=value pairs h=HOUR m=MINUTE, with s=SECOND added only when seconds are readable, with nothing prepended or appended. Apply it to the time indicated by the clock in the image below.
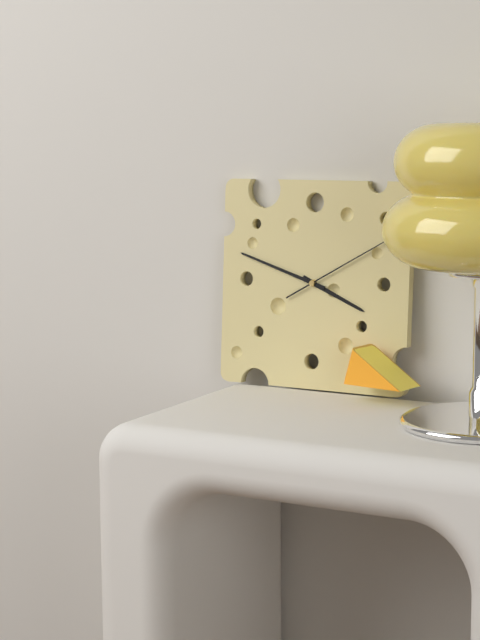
h=3 m=48 s=10
